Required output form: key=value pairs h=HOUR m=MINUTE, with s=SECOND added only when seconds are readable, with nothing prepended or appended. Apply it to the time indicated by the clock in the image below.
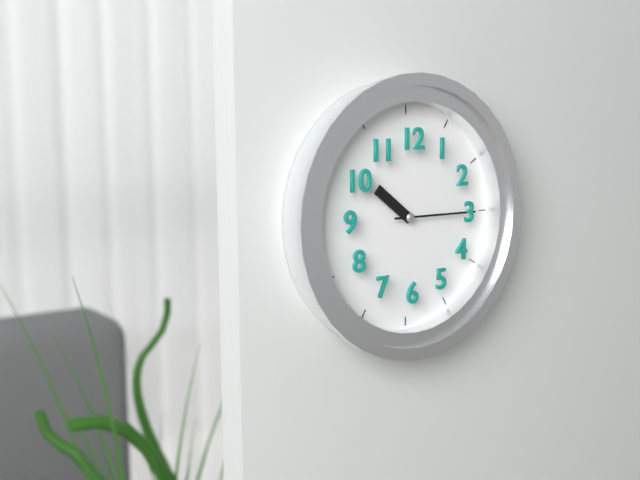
h=10 m=15
